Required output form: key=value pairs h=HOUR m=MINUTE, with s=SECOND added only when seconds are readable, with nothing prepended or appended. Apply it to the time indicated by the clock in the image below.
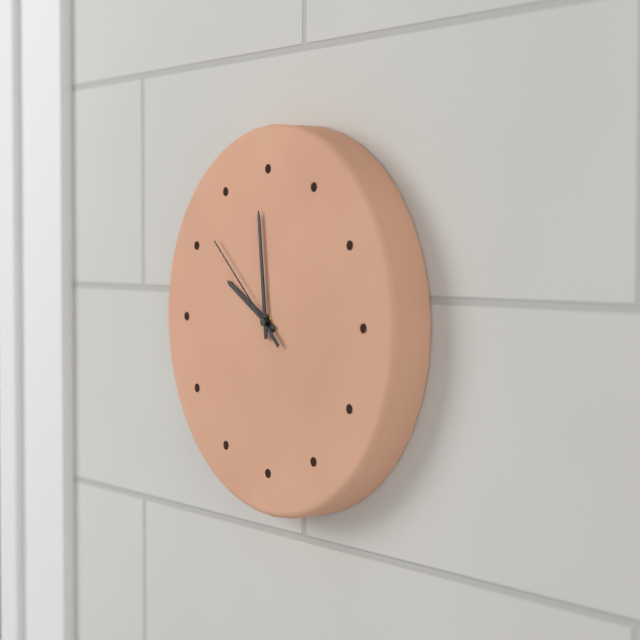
h=9 m=59 s=52
